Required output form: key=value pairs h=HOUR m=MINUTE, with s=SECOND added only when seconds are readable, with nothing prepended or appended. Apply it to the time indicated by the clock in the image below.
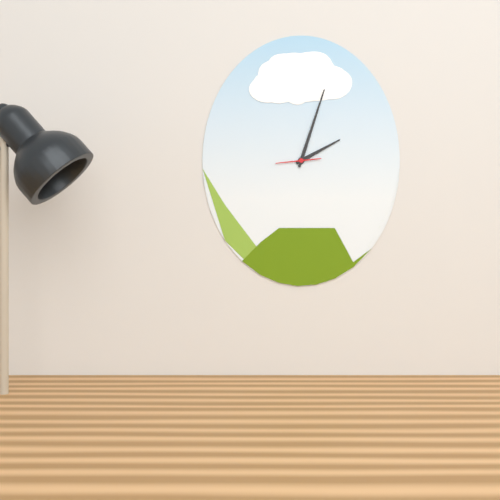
h=2 m=3
